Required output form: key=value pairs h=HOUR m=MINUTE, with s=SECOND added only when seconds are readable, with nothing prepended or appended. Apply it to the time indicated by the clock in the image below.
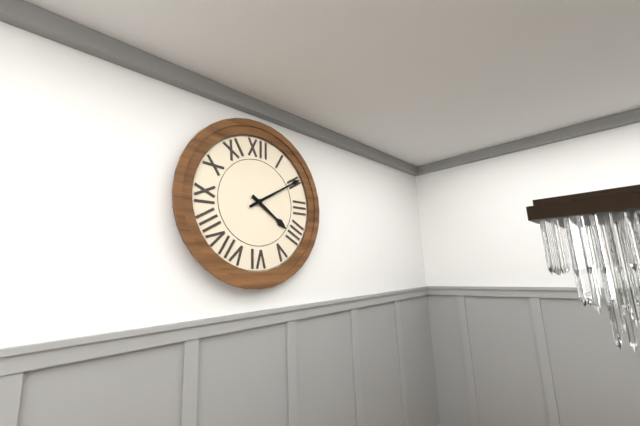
h=4 m=10
